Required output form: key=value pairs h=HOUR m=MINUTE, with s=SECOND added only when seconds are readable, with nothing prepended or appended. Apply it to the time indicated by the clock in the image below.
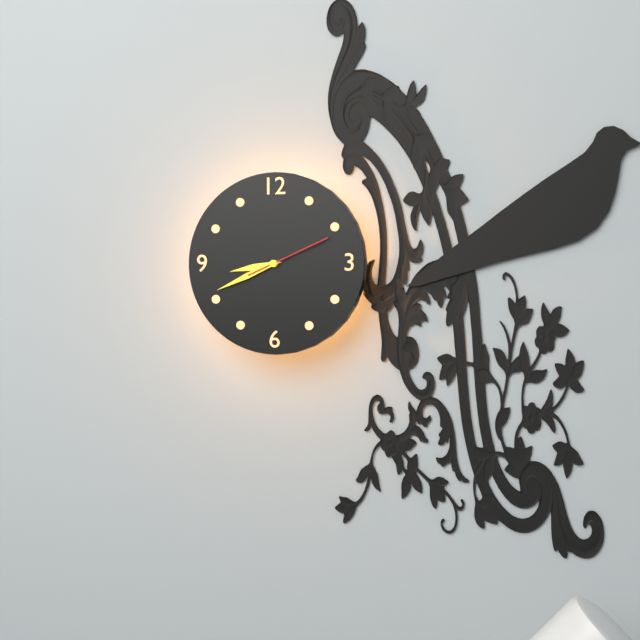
h=8 m=41 s=11
